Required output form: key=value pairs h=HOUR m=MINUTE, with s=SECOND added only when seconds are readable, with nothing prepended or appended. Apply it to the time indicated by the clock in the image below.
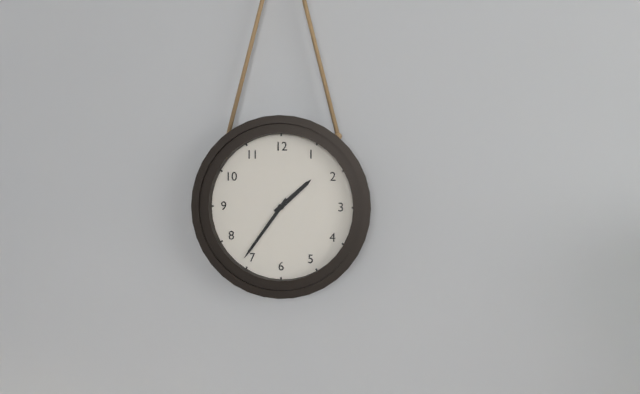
h=1 m=36
